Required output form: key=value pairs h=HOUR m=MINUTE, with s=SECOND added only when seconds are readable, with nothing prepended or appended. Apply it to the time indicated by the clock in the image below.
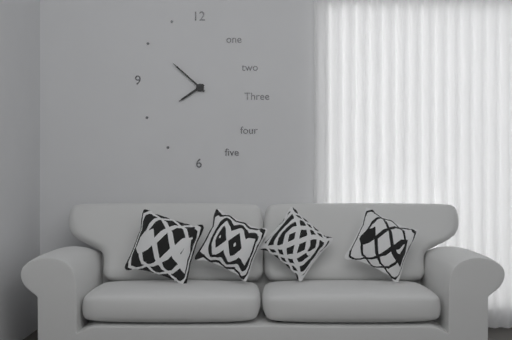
h=7 m=52
